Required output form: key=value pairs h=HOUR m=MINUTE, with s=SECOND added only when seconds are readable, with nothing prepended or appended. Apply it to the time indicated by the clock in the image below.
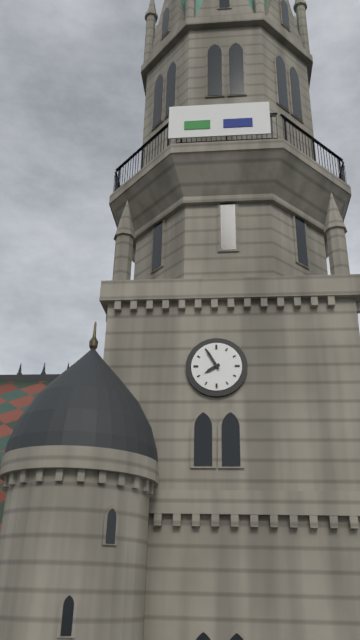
h=7 m=55
